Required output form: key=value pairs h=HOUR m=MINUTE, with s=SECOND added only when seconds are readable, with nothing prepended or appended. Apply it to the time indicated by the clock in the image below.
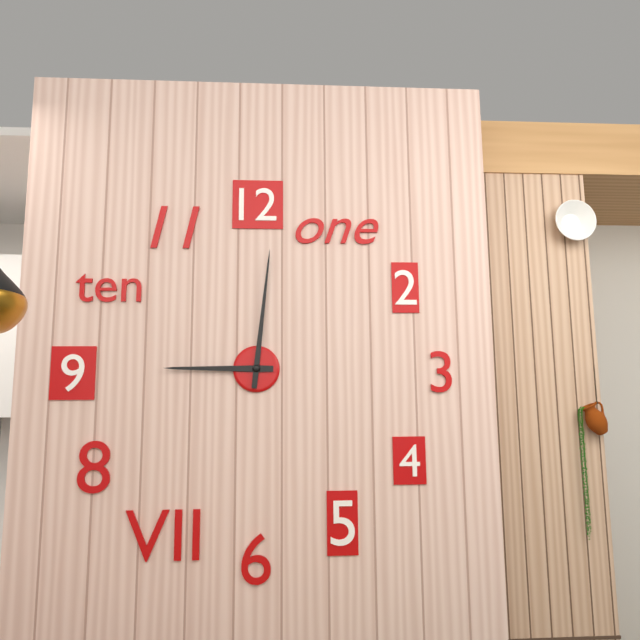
h=9 m=1
